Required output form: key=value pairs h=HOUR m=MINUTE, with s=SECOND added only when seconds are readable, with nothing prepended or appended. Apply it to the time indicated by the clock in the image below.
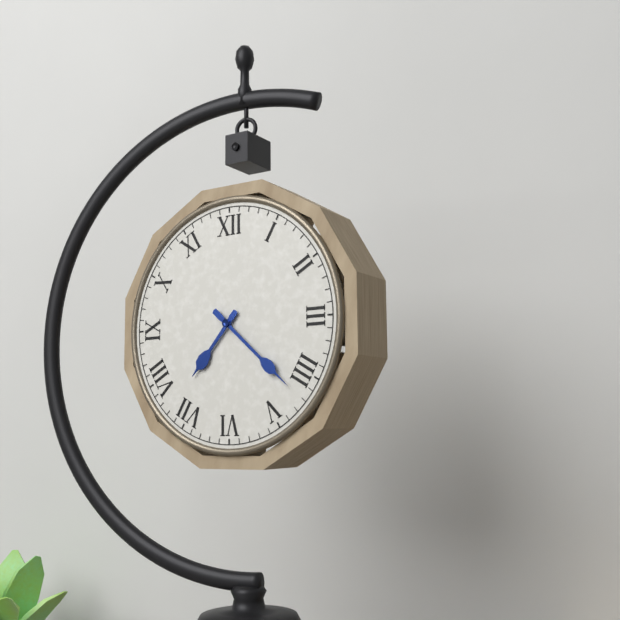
h=7 m=22
